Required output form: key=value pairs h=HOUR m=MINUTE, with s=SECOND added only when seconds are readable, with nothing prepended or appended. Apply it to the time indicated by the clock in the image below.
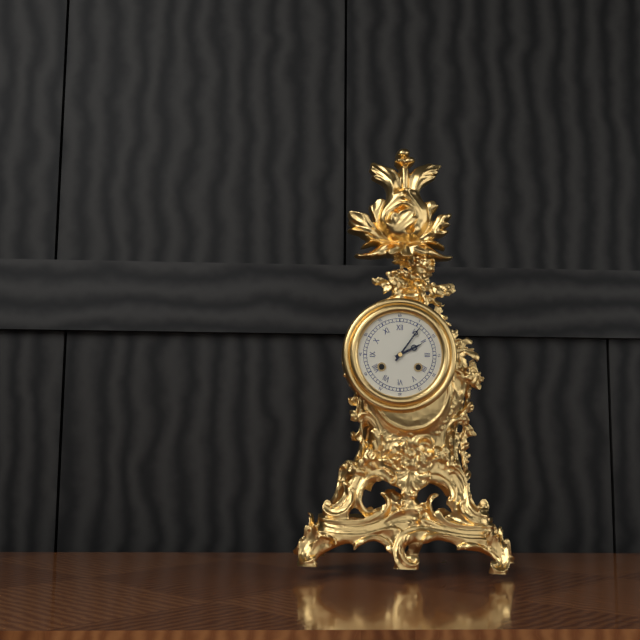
h=2 m=6
